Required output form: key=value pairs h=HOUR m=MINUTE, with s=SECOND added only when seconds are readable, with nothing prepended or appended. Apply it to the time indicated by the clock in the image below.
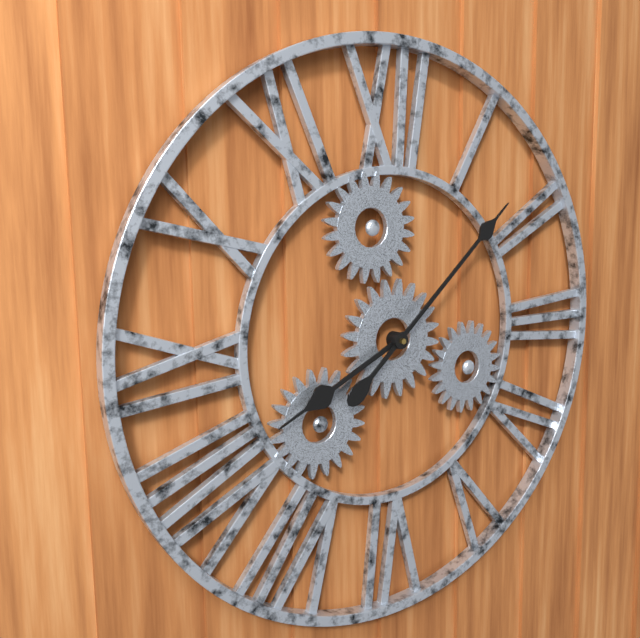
h=8 m=8
